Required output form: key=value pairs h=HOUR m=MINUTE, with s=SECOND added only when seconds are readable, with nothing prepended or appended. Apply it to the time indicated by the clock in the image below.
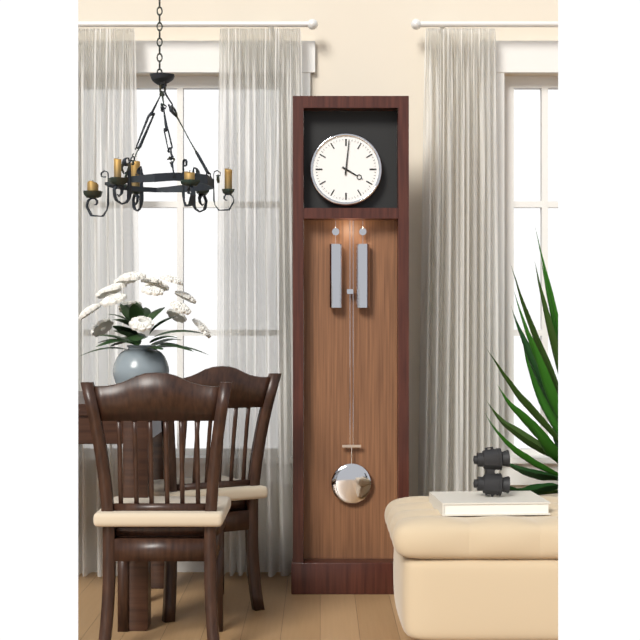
h=4 m=1
